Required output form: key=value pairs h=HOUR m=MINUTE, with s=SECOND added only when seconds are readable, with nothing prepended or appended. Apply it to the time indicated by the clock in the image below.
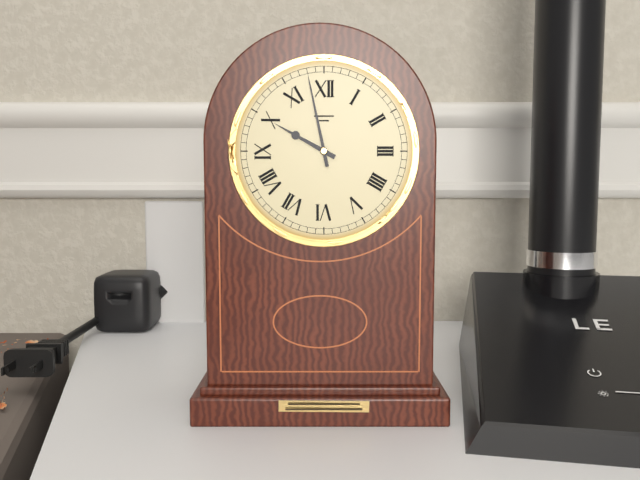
h=9 m=58
